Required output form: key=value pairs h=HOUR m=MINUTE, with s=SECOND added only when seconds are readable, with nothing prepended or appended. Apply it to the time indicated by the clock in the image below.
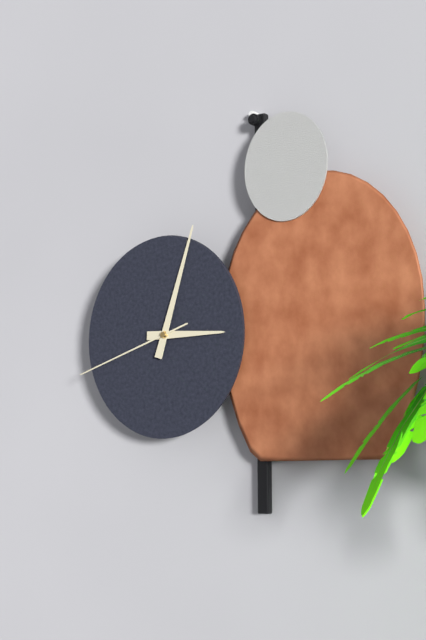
h=3 m=3 s=42
